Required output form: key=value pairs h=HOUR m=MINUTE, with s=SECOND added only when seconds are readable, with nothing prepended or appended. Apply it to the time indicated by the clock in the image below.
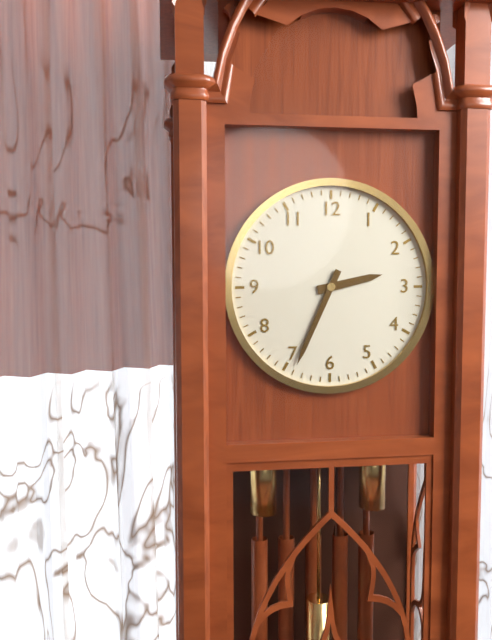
h=2 m=34
